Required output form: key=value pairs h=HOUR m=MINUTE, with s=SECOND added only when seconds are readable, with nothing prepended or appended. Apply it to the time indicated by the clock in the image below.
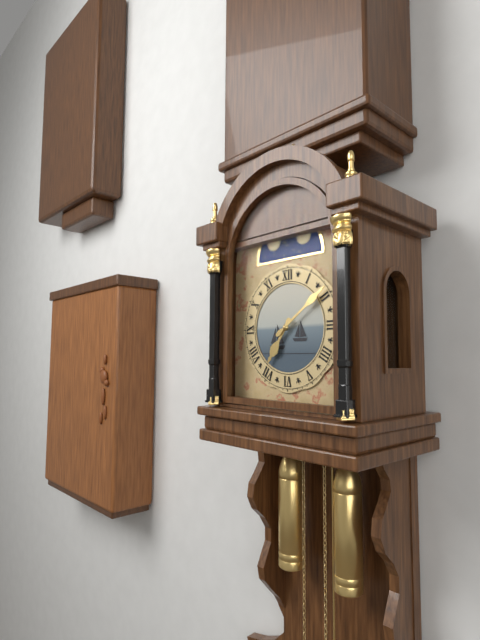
h=7 m=9
